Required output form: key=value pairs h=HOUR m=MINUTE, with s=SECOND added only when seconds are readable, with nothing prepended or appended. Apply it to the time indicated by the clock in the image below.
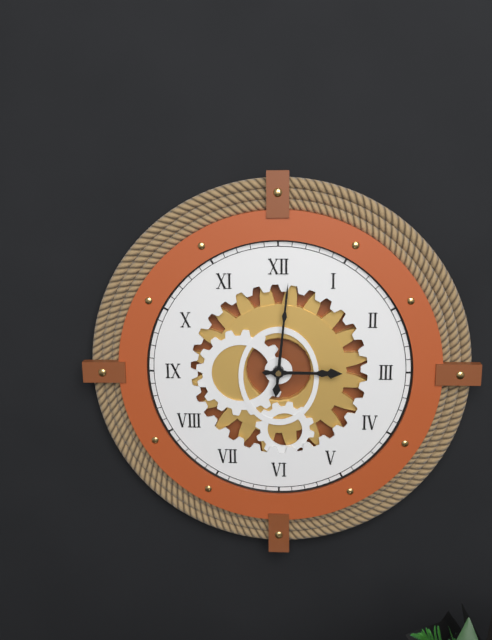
h=3 m=1
